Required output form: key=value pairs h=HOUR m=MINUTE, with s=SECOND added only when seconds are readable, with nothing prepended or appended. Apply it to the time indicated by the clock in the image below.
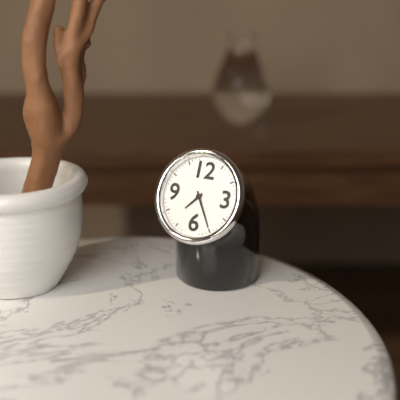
h=7 m=25
